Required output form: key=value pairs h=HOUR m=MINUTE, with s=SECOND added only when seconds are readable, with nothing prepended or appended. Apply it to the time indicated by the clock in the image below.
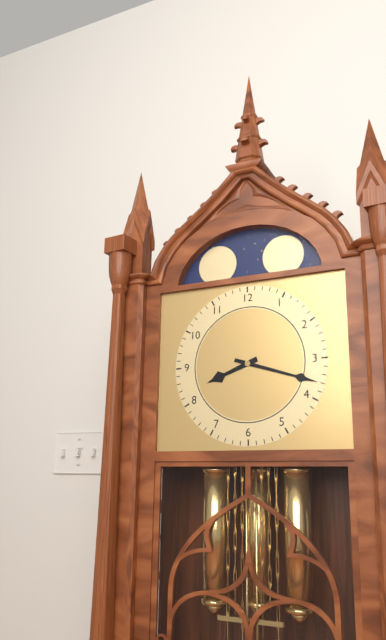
h=8 m=18
